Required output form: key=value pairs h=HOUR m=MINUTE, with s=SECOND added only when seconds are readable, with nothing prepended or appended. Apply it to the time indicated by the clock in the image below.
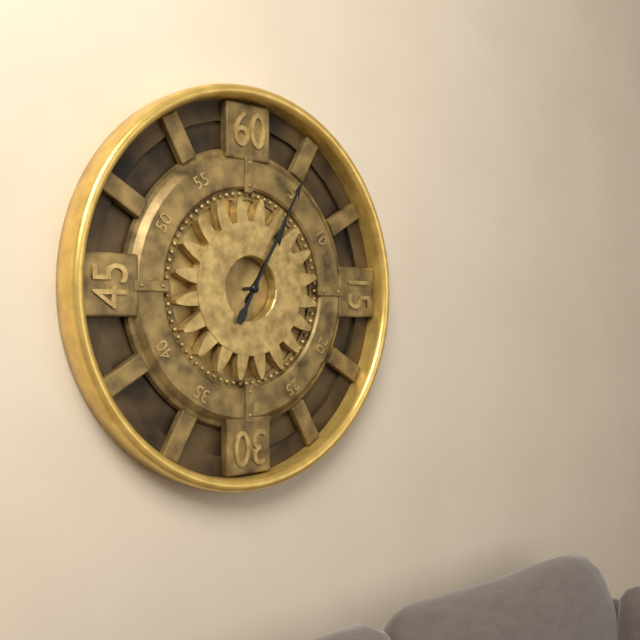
h=1 m=5
